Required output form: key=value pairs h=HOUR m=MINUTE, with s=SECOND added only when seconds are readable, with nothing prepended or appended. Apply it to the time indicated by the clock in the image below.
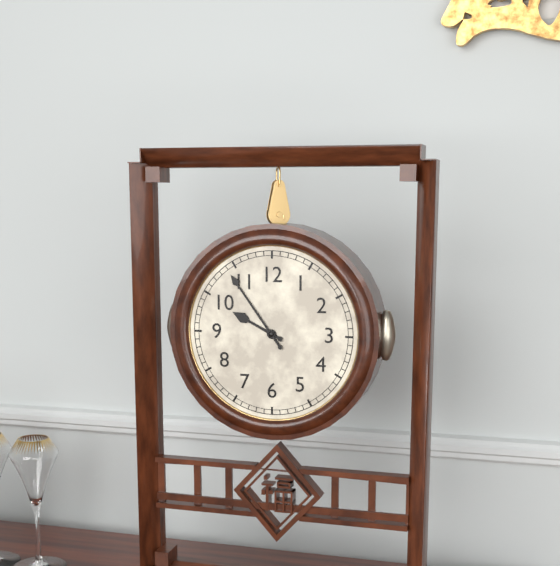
h=9 m=54
